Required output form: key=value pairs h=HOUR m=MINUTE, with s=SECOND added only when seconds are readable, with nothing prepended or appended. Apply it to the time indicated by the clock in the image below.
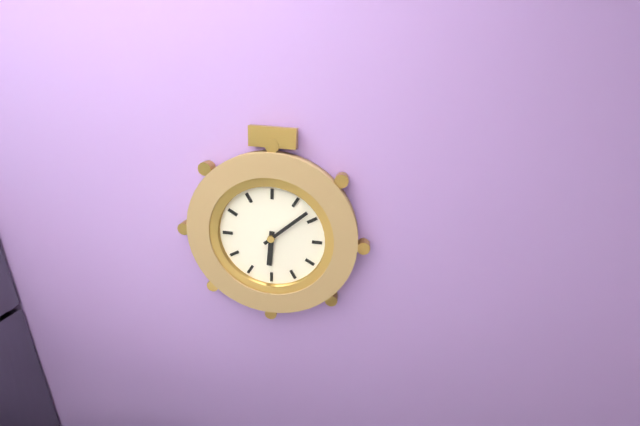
h=6 m=8
